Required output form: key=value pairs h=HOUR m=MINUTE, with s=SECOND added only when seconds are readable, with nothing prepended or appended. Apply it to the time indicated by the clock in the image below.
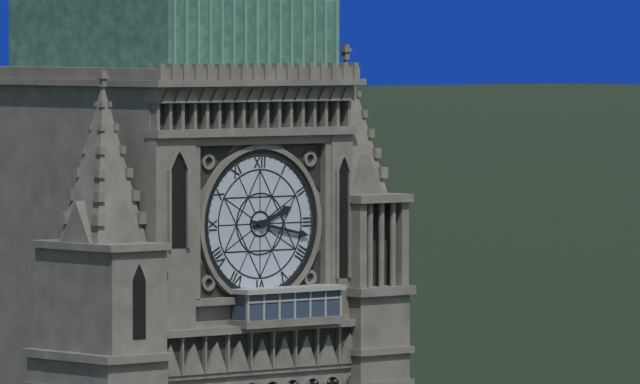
h=2 m=17
